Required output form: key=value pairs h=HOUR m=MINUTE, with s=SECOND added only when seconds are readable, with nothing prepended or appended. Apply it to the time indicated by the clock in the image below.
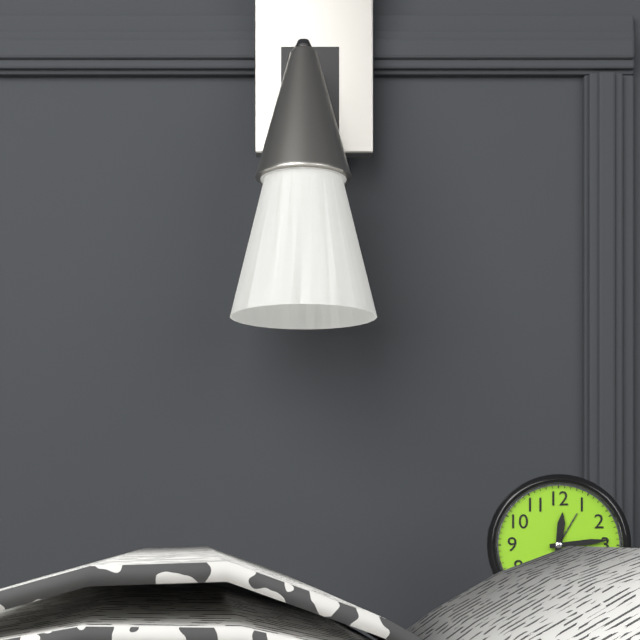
h=12 m=14
